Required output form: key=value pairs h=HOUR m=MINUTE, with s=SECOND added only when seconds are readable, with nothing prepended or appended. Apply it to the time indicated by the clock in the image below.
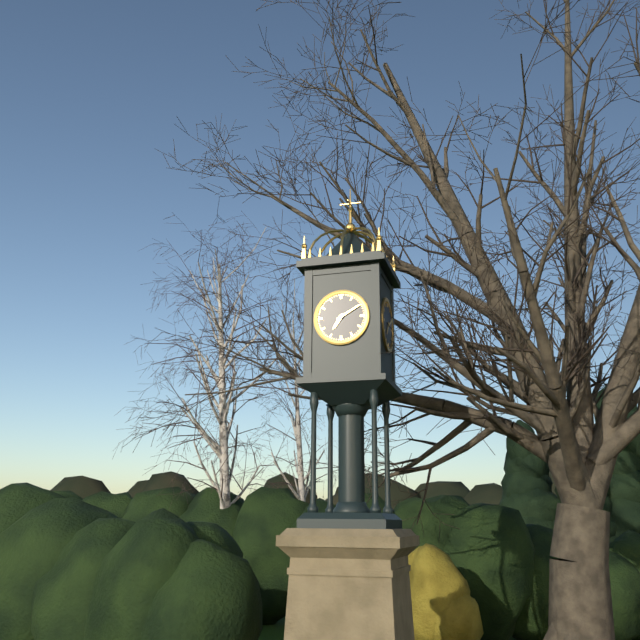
h=7 m=10
